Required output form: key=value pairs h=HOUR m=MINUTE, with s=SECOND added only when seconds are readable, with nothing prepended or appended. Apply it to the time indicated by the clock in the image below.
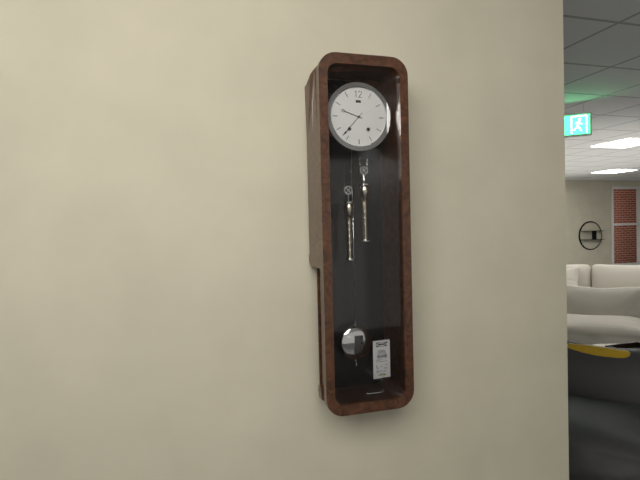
h=9 m=37
